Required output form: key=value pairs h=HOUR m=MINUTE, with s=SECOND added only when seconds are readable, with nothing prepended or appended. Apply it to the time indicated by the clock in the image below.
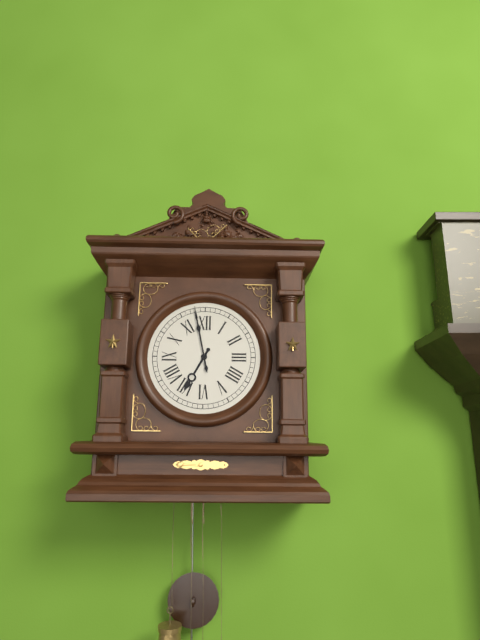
h=6 m=58
